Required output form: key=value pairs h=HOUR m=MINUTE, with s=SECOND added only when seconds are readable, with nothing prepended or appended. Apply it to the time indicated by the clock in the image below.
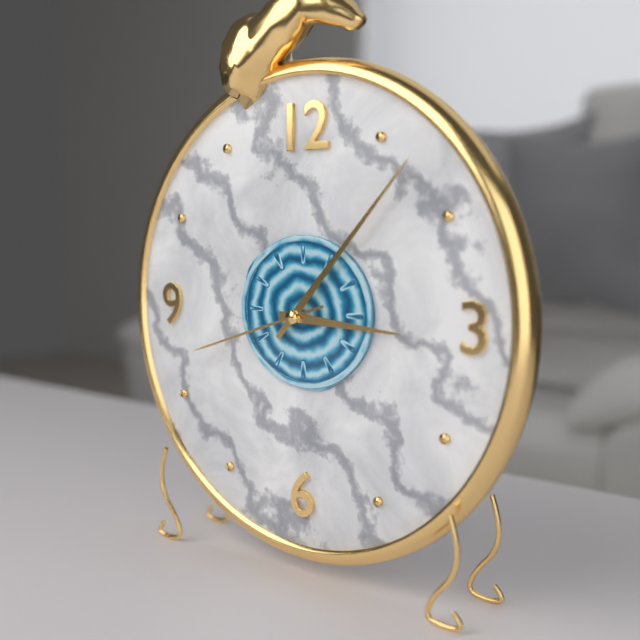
h=3 m=7 s=42
